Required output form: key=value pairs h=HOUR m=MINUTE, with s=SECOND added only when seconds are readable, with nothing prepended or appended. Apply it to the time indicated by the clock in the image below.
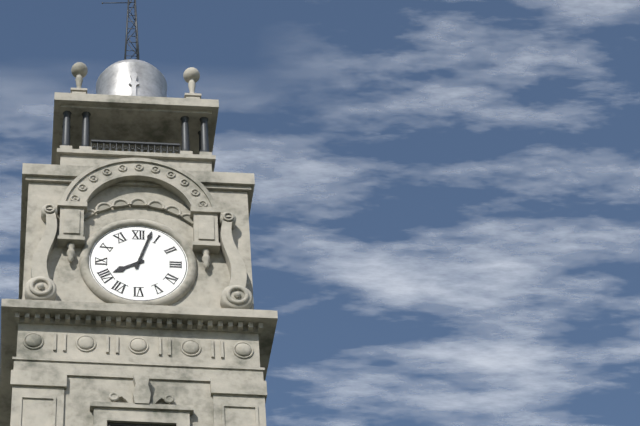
h=8 m=3
